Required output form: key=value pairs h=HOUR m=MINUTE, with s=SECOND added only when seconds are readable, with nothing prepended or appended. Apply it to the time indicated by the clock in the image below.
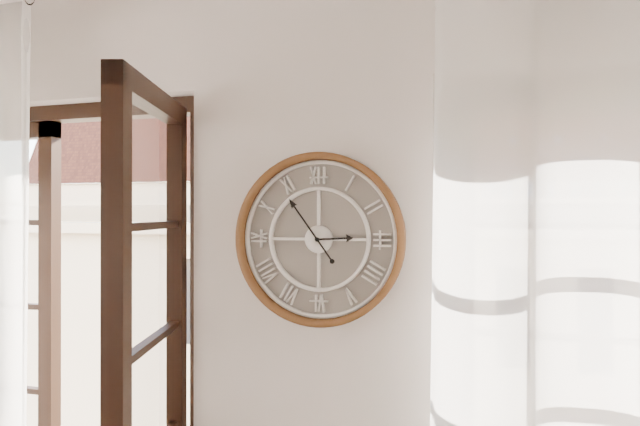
h=2 m=54
